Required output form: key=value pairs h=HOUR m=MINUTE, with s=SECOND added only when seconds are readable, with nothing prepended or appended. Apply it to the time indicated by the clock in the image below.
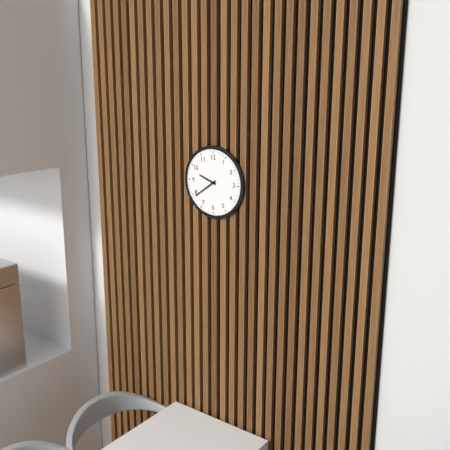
h=9 m=39
